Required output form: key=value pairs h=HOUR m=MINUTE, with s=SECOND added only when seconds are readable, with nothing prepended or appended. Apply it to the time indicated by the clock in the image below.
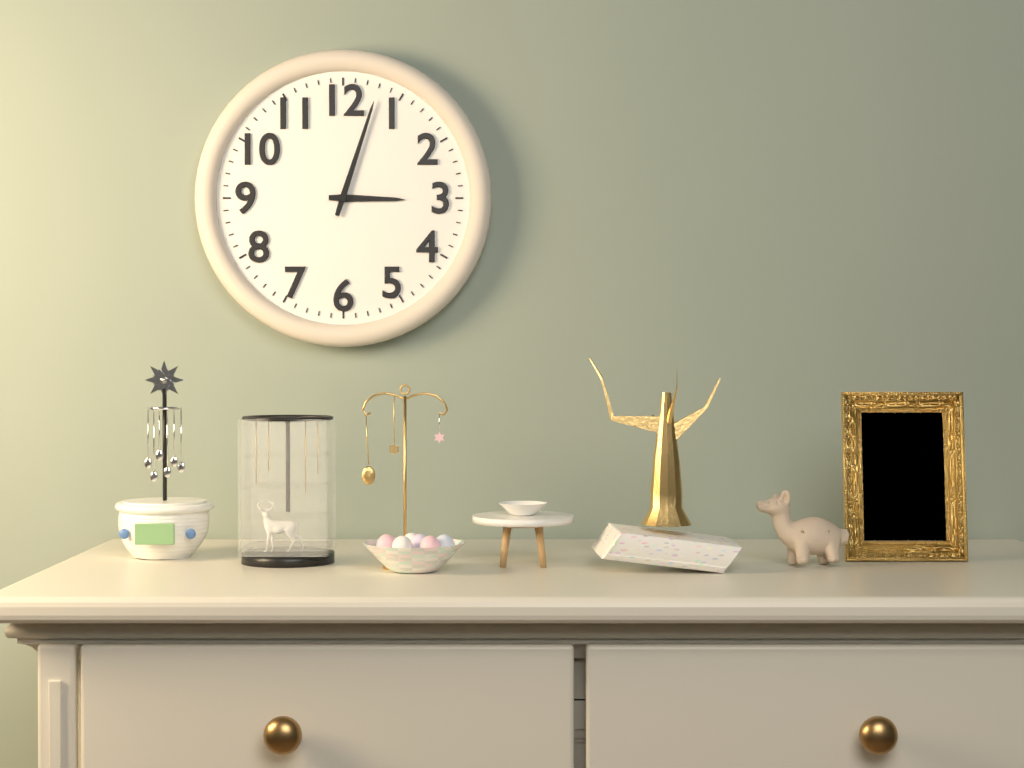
h=3 m=3
